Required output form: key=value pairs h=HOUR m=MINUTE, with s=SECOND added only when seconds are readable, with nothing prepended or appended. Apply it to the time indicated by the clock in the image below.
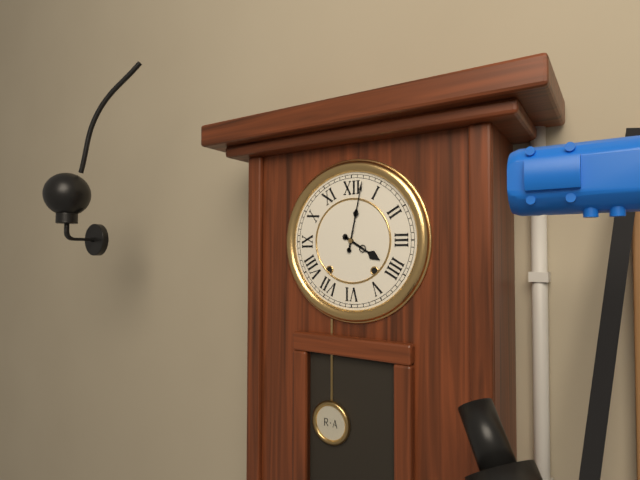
h=4 m=2
